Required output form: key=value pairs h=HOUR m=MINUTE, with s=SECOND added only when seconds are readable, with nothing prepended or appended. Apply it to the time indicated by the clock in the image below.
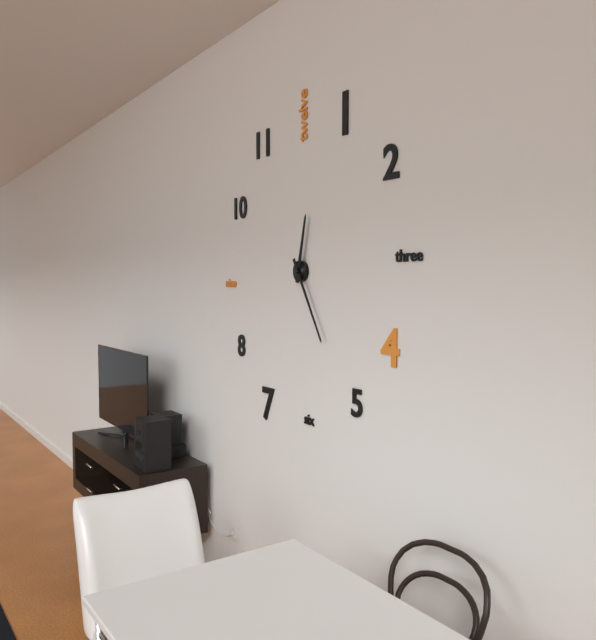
h=12 m=25
